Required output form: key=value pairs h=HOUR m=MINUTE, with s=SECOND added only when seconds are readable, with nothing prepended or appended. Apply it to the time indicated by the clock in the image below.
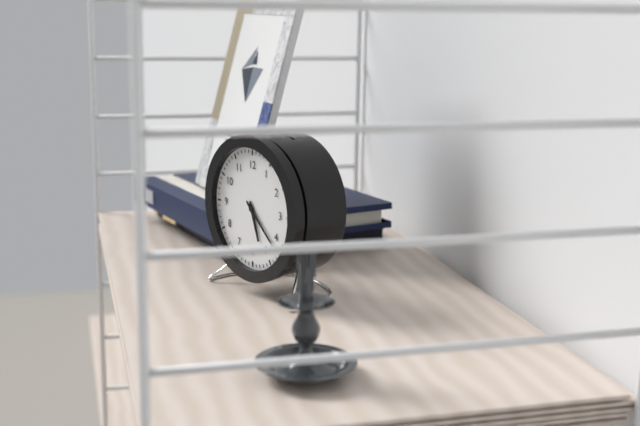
h=5 m=22
